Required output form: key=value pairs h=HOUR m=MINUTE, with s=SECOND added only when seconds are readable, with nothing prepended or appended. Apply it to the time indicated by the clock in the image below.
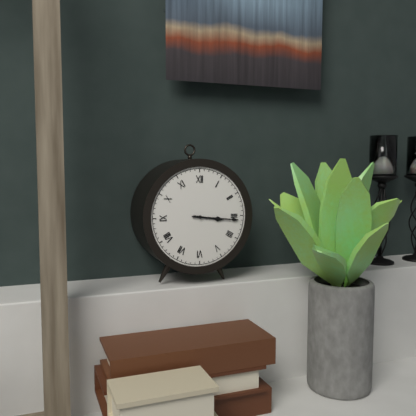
h=3 m=16
